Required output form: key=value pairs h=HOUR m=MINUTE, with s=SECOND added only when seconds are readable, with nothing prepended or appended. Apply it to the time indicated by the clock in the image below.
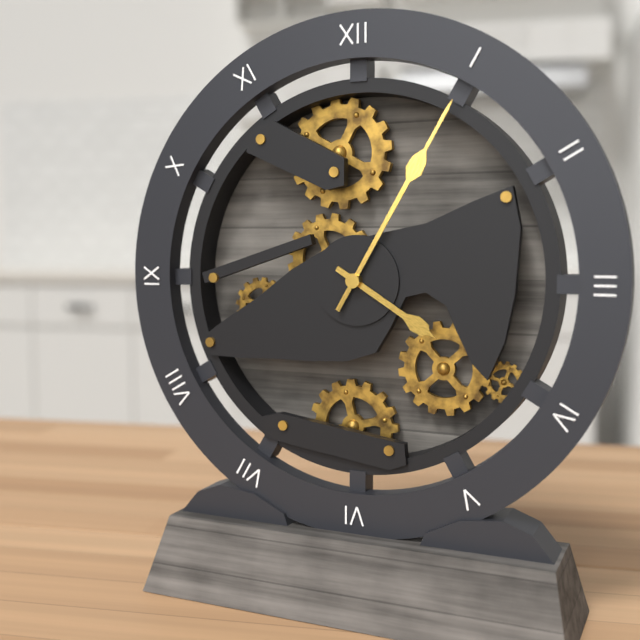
h=4 m=5
